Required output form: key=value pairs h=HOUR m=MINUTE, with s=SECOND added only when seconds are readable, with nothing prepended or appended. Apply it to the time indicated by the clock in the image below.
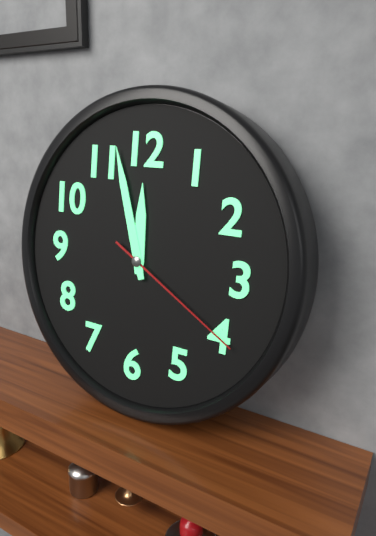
h=11 m=57 s=20
